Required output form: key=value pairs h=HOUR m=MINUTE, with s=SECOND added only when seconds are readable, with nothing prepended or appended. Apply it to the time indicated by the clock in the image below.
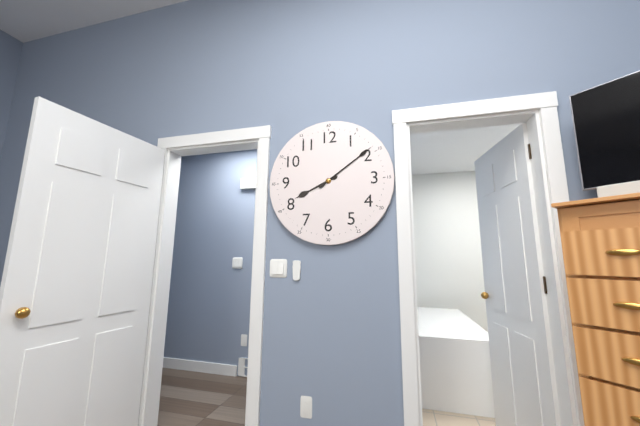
h=8 m=9
